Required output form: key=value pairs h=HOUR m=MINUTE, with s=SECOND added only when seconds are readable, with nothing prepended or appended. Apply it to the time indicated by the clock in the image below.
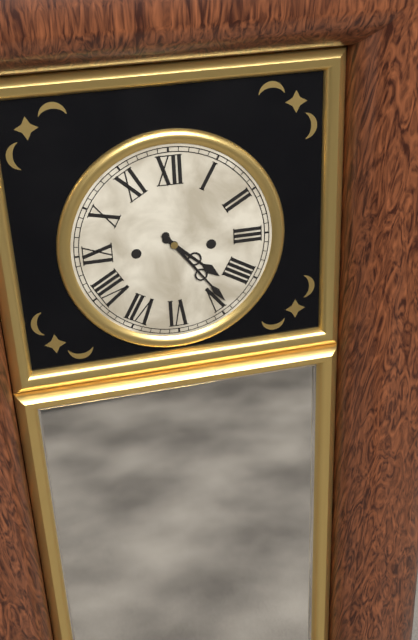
h=4 m=24
